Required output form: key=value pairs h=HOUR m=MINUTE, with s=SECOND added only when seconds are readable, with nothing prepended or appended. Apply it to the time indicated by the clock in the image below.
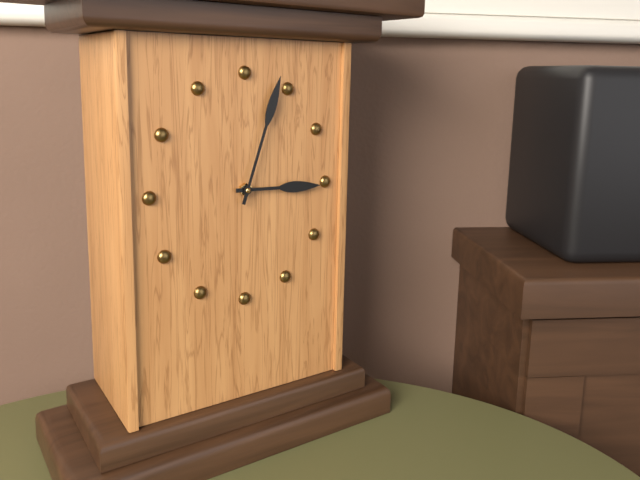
h=3 m=3
